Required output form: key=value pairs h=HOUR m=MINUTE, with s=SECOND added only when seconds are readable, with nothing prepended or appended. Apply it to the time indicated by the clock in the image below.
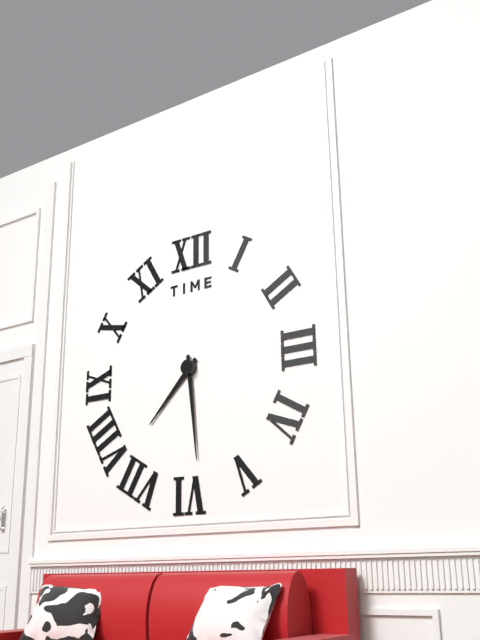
h=7 m=29
